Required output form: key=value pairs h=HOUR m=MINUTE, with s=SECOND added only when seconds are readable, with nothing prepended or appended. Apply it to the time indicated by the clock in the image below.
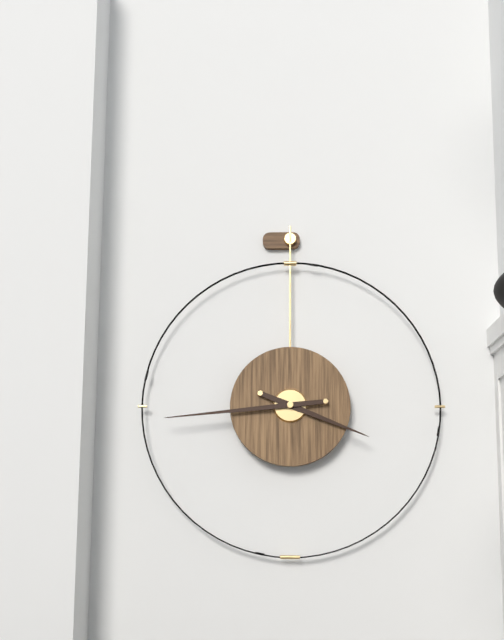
h=3 m=44
